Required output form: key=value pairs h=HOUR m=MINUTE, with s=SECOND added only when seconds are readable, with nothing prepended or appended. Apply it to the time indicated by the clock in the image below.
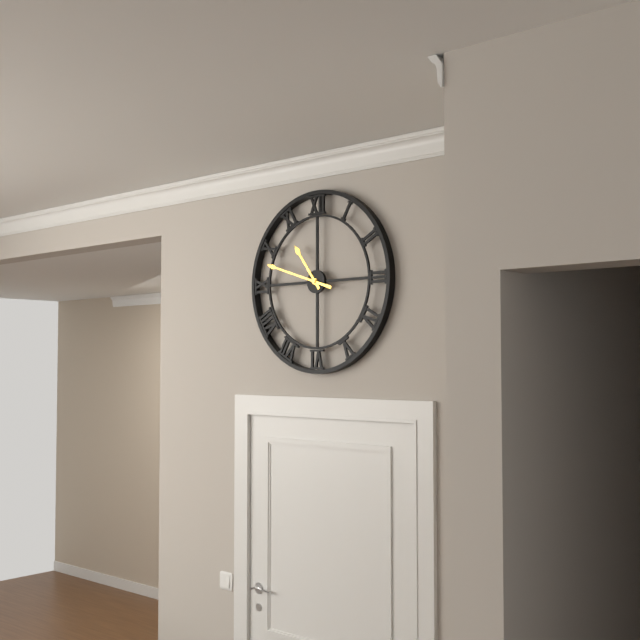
h=10 m=48
